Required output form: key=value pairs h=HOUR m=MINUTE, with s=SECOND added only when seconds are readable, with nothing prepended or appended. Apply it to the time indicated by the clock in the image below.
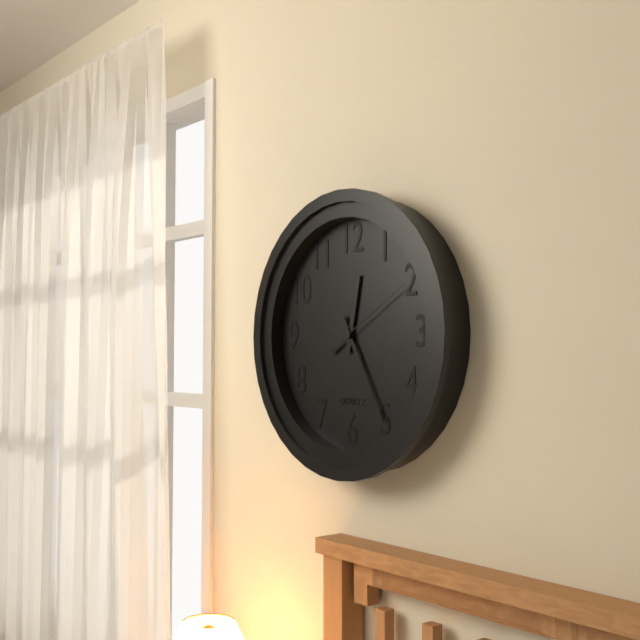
h=12 m=25 s=10
